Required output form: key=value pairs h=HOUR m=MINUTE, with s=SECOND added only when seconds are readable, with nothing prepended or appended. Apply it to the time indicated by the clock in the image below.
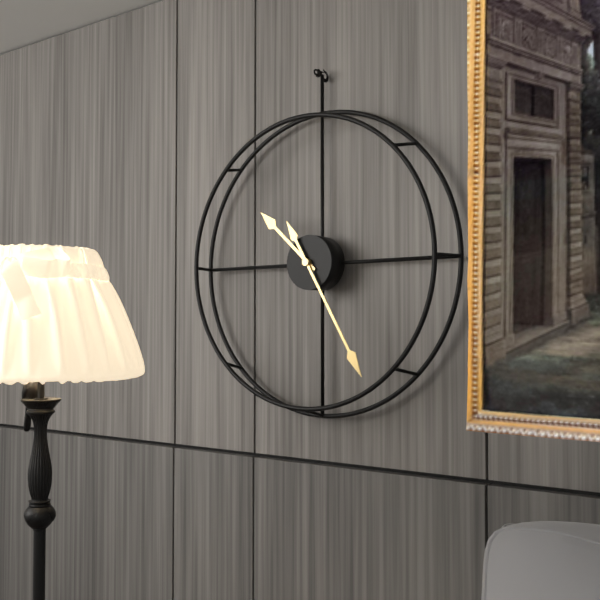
h=10 m=25
